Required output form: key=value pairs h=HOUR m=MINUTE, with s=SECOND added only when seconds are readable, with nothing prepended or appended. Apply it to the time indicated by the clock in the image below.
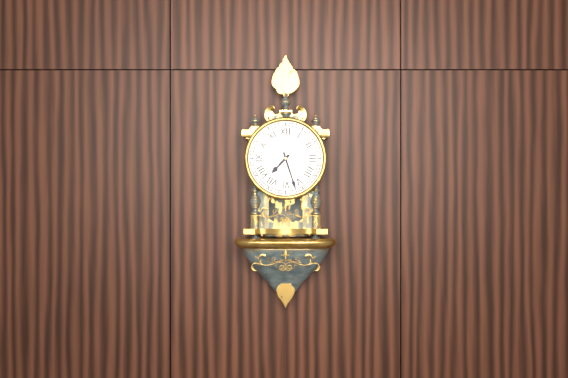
h=7 m=27
